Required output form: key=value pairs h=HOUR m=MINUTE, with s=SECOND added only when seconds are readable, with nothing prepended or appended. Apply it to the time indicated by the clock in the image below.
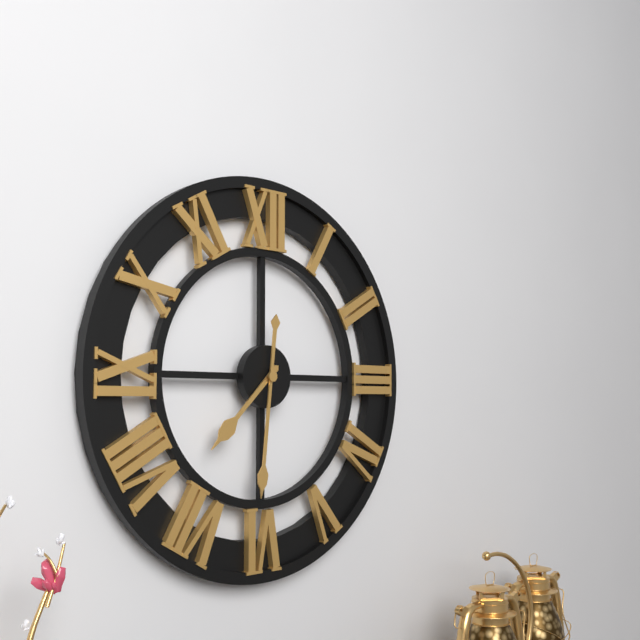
h=7 m=31
